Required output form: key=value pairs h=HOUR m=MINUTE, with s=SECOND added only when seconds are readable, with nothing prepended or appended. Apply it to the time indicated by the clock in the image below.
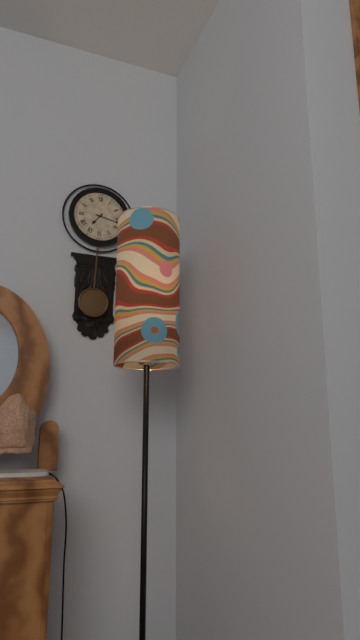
h=7 m=17
